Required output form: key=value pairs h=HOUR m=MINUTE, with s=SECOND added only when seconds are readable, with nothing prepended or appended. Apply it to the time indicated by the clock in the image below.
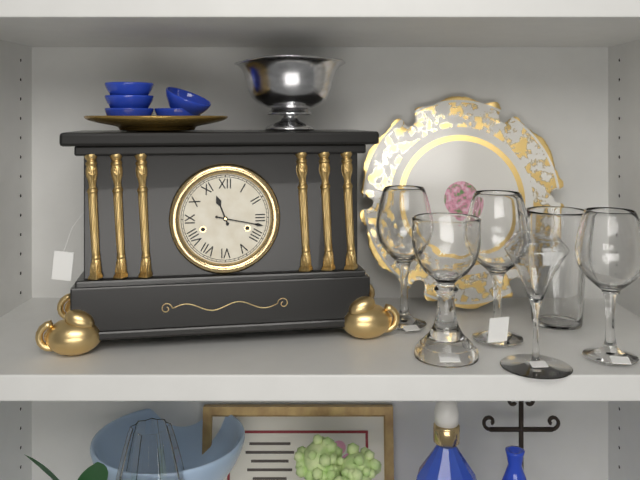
h=11 m=17
